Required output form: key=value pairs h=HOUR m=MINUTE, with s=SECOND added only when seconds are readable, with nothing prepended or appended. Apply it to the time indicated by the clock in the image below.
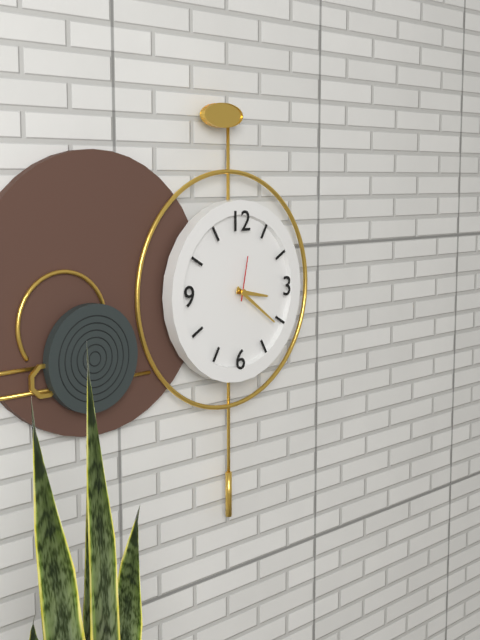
h=3 m=21
